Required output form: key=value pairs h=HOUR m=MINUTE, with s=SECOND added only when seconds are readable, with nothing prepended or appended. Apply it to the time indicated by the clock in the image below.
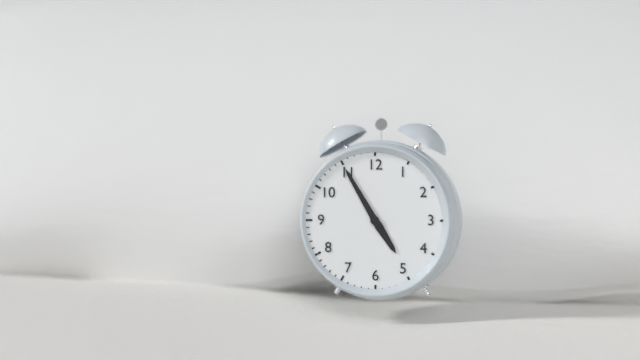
h=4 m=55
